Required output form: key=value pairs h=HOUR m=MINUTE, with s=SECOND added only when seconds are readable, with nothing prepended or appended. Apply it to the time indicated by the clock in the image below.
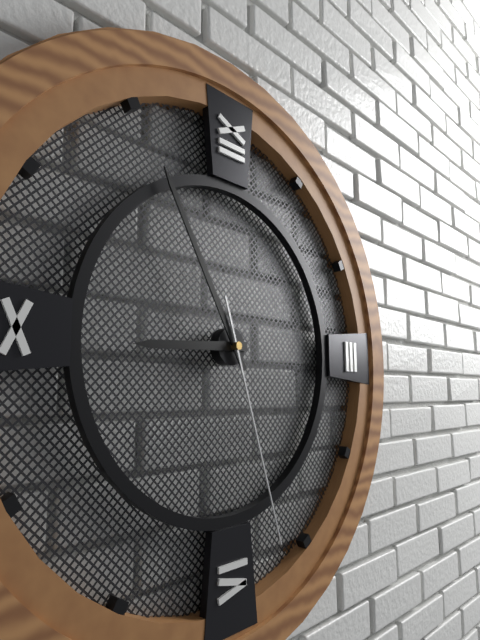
h=8 m=55 s=27
